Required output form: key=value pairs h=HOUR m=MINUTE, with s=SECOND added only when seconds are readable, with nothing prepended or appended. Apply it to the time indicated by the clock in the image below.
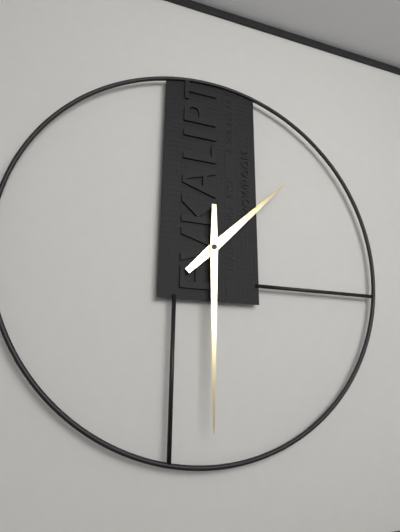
h=1 m=30
